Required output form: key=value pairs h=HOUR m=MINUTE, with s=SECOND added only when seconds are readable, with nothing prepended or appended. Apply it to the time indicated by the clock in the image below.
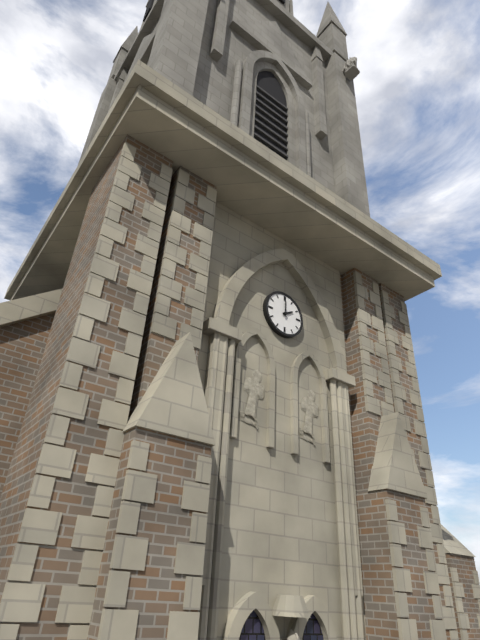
h=2 m=0
